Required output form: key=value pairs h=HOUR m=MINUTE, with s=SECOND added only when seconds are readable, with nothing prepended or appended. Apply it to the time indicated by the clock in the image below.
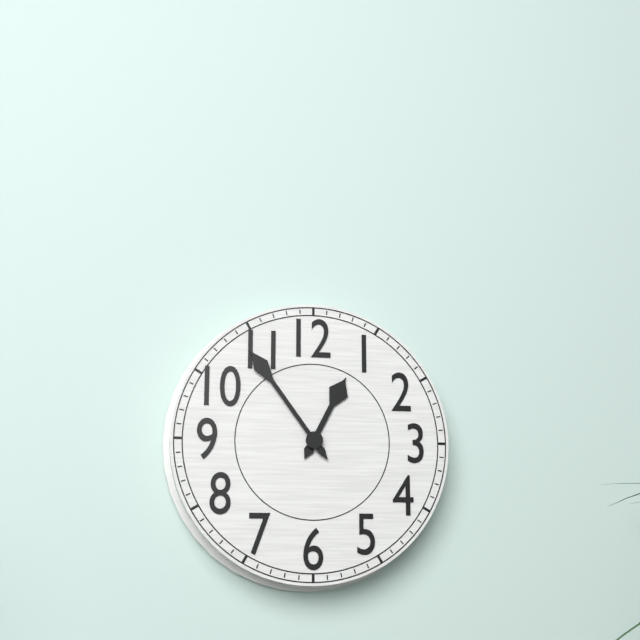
h=12 m=54
